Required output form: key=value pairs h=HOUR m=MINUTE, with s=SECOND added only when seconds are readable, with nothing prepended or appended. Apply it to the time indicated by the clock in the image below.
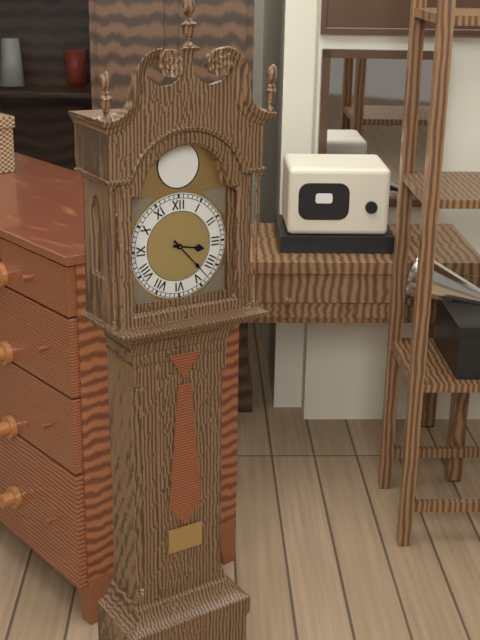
h=3 m=23
